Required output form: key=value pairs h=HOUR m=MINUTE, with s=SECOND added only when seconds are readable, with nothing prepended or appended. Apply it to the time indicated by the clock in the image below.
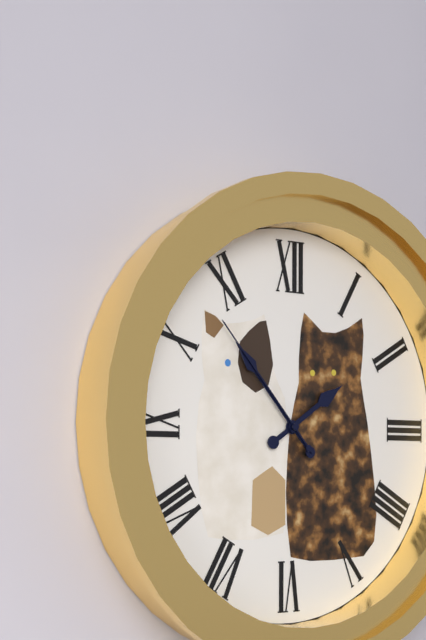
h=1 m=53 s=53
